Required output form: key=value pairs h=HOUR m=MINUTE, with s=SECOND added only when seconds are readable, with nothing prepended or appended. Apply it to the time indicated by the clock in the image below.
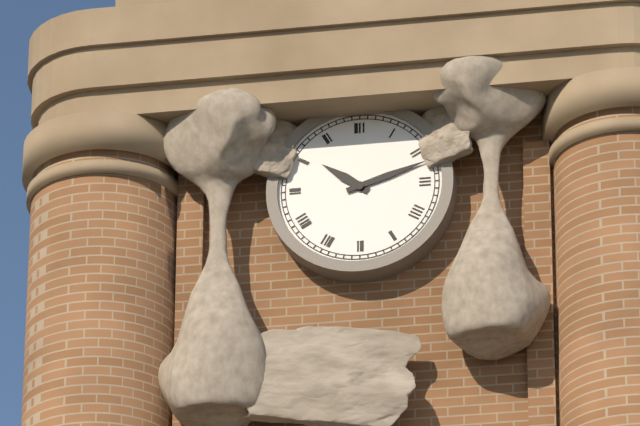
h=10 m=12
